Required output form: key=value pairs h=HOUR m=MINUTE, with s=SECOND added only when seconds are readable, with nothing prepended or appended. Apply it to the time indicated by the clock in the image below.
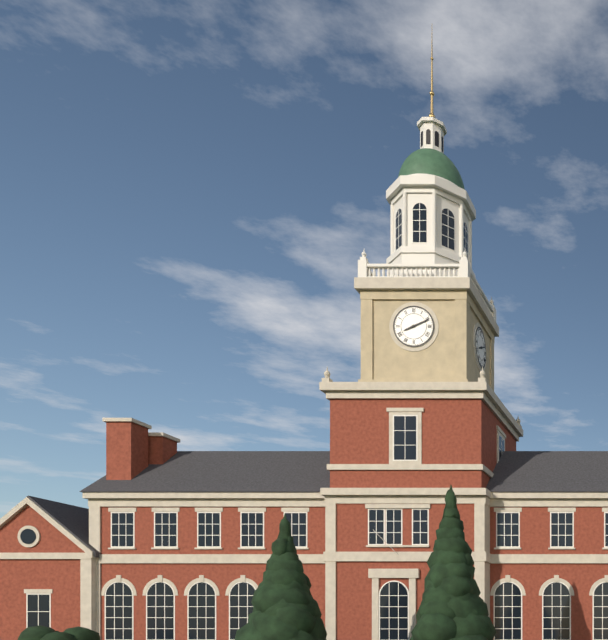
h=8 m=11
